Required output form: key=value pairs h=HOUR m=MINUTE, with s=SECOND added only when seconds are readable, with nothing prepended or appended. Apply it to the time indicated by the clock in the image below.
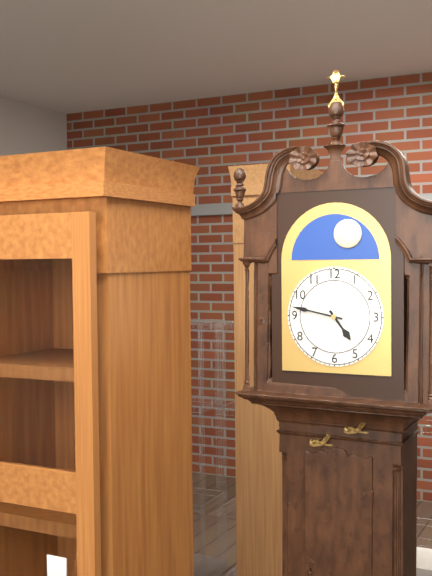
h=4 m=47
